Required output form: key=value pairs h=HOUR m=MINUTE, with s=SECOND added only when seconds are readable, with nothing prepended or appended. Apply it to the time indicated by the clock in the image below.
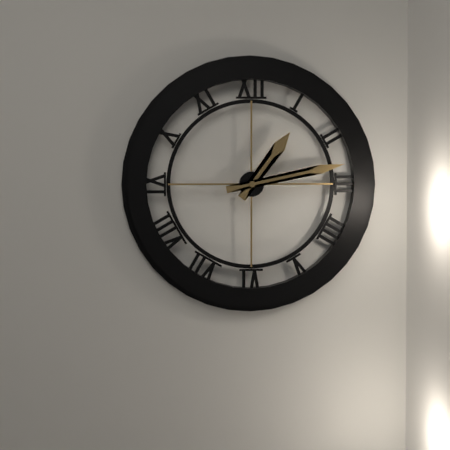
h=1 m=13
